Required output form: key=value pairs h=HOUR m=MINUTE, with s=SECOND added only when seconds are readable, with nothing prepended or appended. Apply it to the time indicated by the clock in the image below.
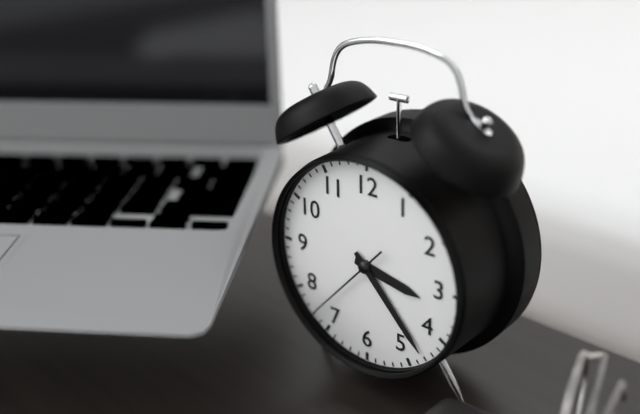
h=3 m=23 s=37
